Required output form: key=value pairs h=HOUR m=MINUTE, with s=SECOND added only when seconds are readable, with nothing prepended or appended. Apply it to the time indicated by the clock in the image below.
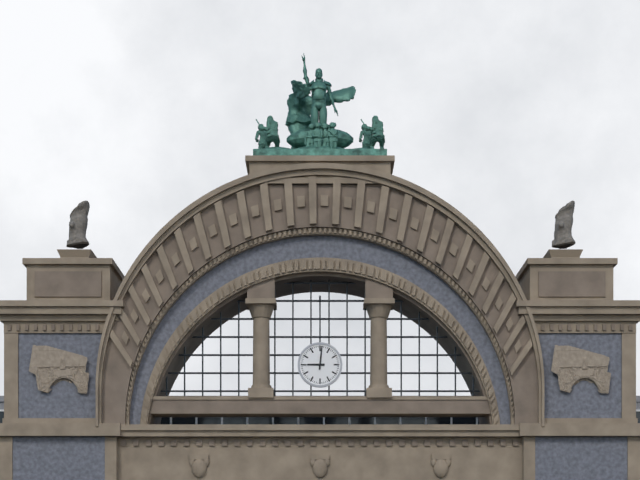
h=9 m=1
